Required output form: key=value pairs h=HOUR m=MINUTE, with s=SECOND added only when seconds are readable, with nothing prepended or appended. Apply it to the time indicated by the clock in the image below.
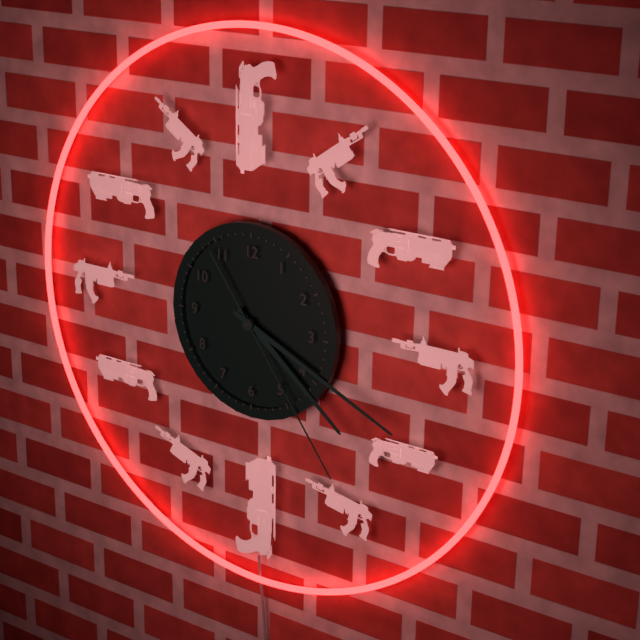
h=4 m=19 s=24
